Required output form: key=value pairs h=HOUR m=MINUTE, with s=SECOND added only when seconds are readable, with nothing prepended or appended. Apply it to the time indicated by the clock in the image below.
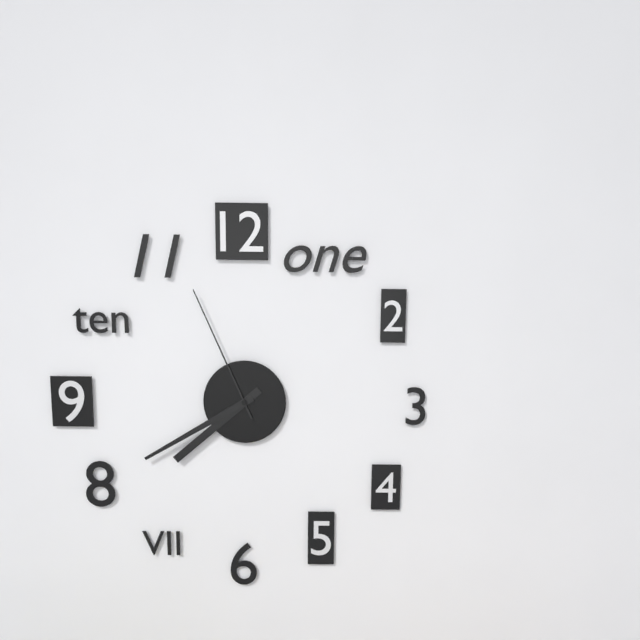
h=7 m=40 s=56
